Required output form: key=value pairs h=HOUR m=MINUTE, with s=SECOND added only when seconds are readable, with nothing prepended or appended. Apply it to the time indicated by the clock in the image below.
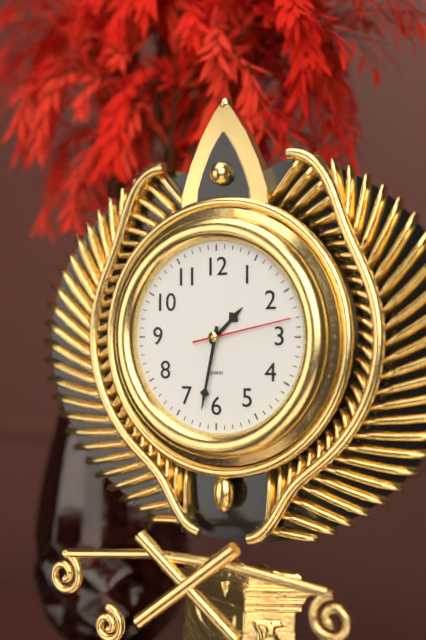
h=1 m=32 s=13
